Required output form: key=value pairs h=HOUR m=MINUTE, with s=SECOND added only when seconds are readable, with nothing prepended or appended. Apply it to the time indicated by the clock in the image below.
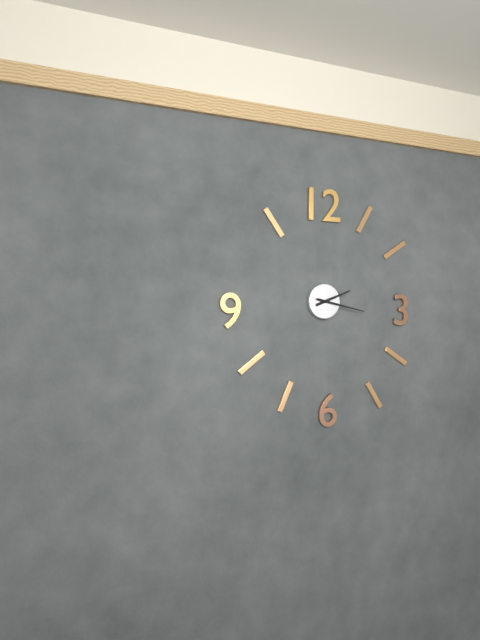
h=2 m=17
